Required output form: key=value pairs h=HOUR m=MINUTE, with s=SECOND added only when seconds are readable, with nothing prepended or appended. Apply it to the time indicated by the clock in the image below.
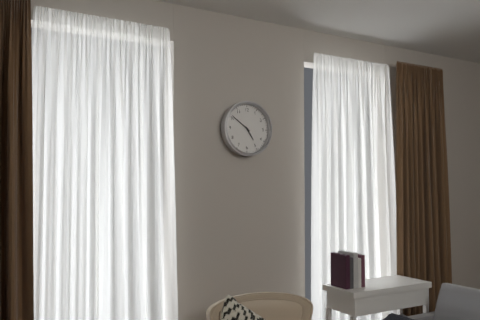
h=4 m=51
